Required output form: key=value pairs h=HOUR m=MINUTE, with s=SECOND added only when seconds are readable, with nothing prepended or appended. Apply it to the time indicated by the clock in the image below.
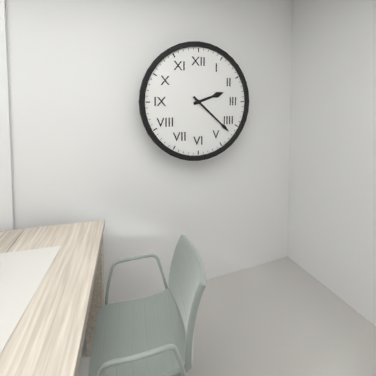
h=2 m=22
